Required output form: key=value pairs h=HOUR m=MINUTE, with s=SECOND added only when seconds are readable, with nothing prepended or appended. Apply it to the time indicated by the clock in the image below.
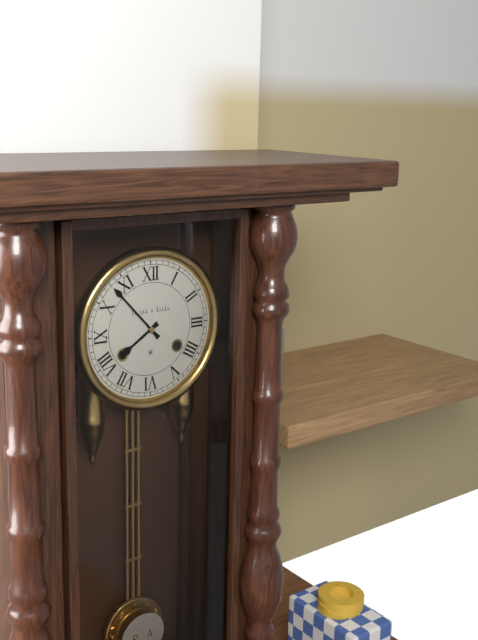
h=7 m=53
